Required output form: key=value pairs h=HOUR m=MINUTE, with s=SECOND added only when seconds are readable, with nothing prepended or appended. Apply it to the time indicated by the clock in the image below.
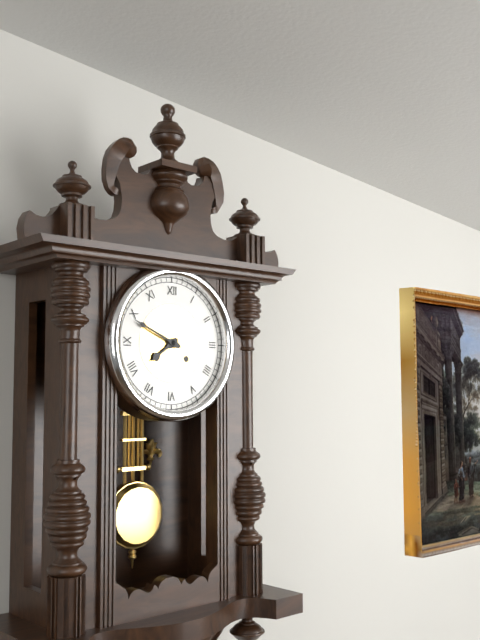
h=7 m=49
